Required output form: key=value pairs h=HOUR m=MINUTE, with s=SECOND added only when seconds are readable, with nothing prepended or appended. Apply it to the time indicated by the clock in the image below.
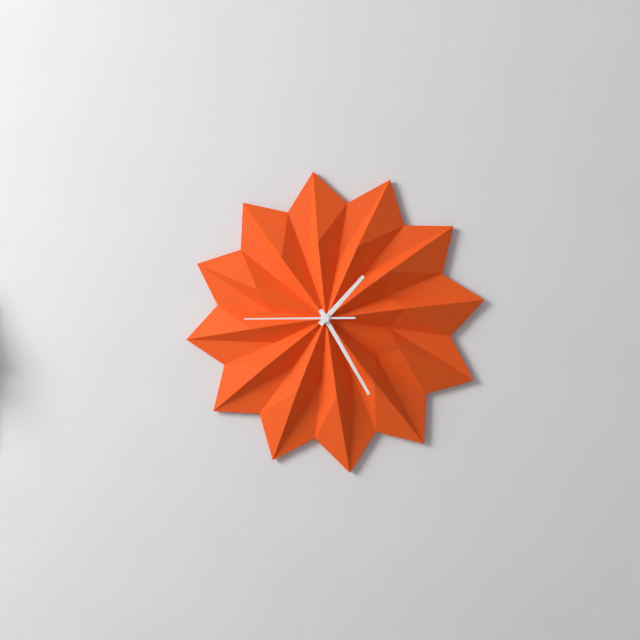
h=1 m=25 s=45
